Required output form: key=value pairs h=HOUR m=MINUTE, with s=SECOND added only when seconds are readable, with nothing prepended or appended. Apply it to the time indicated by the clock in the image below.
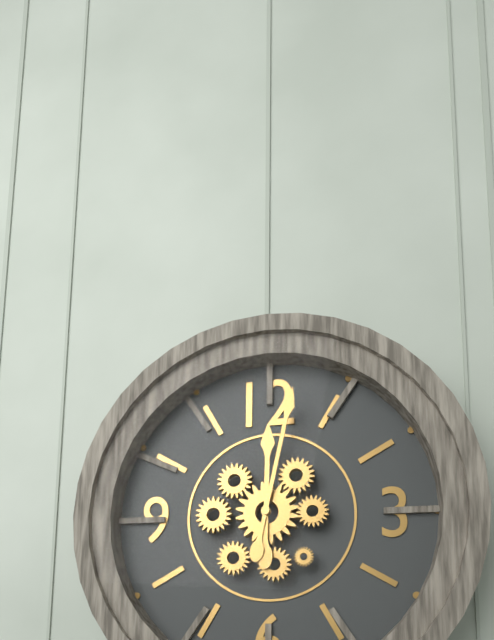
h=12 m=2
